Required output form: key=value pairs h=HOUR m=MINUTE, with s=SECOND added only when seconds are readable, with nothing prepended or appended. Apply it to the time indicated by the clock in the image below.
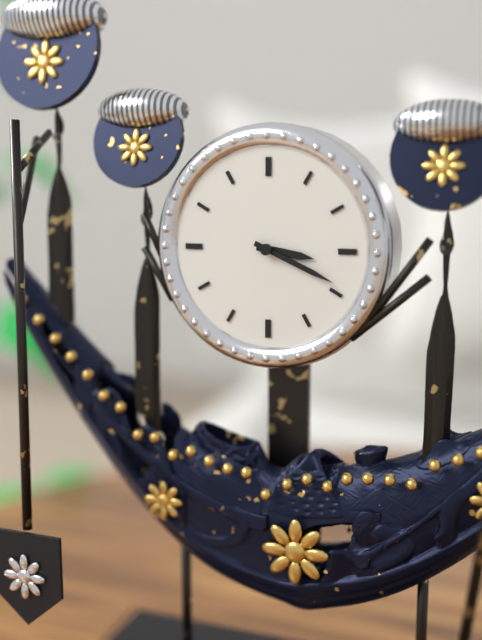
h=3 m=19
